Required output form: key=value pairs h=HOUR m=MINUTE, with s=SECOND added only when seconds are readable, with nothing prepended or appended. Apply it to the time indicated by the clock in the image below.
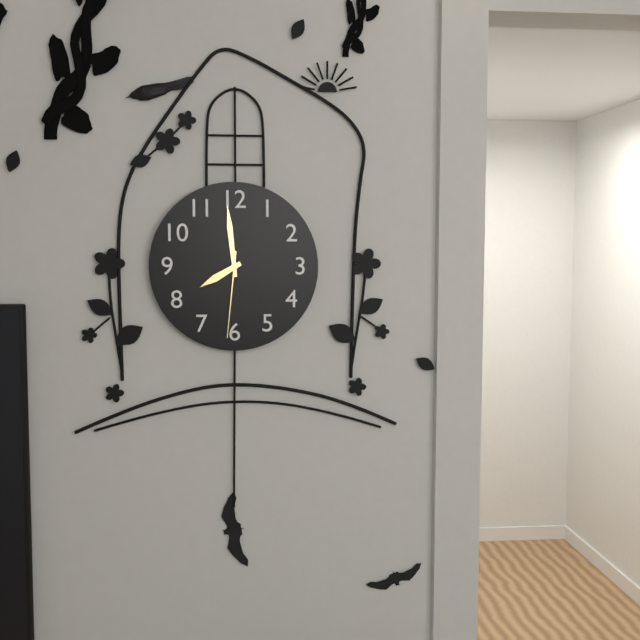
h=7 m=59 s=31
